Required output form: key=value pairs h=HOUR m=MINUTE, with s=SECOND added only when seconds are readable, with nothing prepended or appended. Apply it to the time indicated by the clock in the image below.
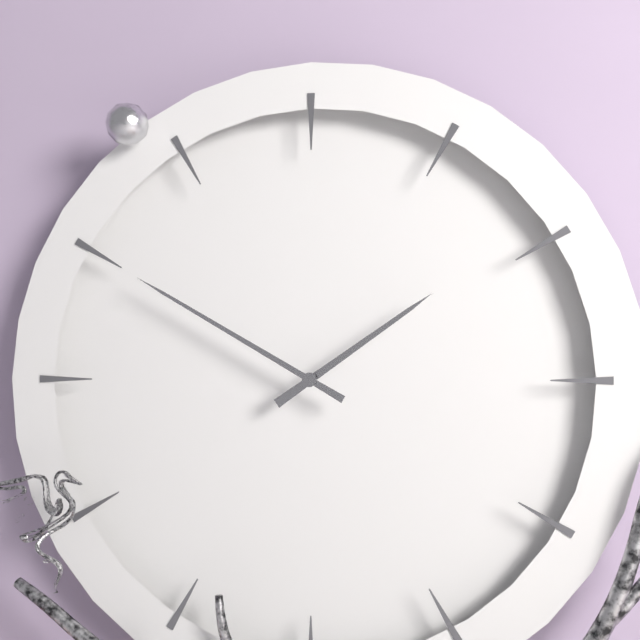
h=1 m=50
